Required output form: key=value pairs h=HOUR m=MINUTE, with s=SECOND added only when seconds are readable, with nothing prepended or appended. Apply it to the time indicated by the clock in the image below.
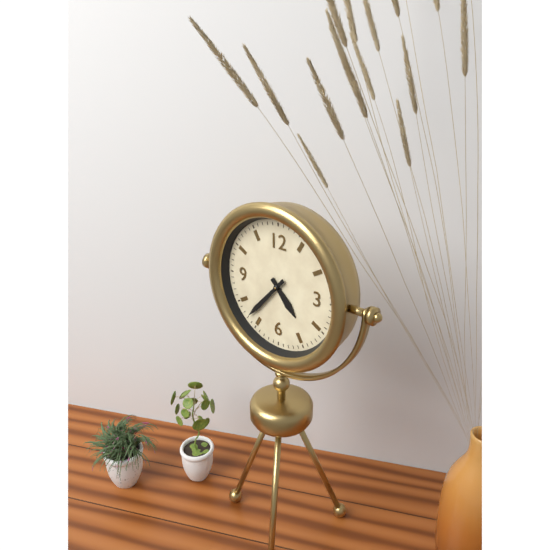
h=4 m=37
